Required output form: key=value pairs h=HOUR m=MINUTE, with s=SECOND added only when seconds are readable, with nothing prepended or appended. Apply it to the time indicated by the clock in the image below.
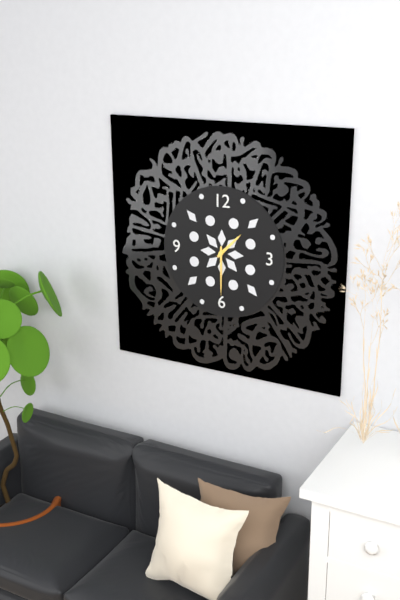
h=1 m=30
